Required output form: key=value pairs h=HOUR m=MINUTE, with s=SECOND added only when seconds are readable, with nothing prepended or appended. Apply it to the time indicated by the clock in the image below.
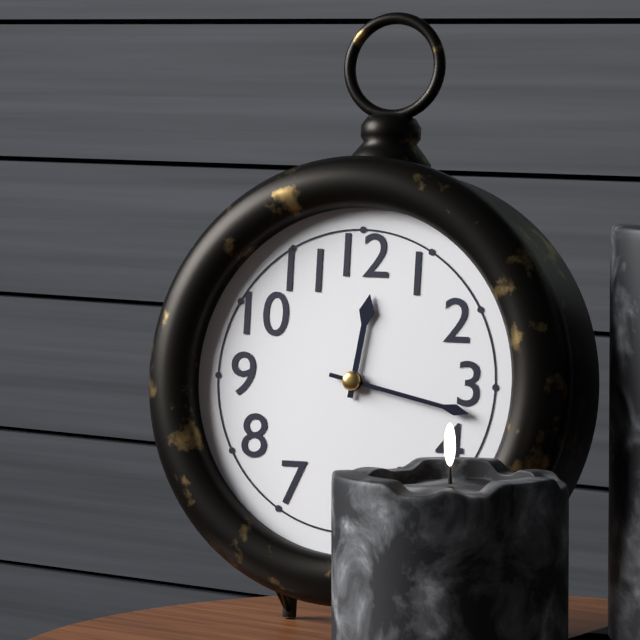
h=12 m=17
